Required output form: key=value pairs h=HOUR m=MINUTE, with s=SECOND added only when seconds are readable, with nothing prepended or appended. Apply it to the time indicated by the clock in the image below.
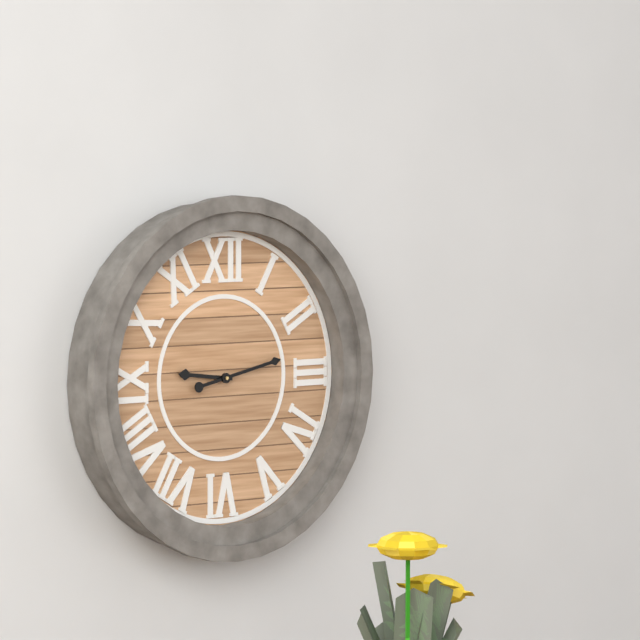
h=9 m=13
